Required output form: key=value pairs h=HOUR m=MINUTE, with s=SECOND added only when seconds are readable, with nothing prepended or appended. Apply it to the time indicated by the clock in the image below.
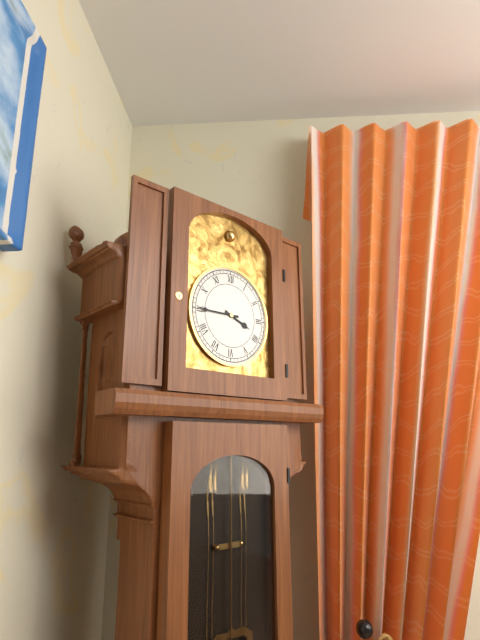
h=3 m=45
